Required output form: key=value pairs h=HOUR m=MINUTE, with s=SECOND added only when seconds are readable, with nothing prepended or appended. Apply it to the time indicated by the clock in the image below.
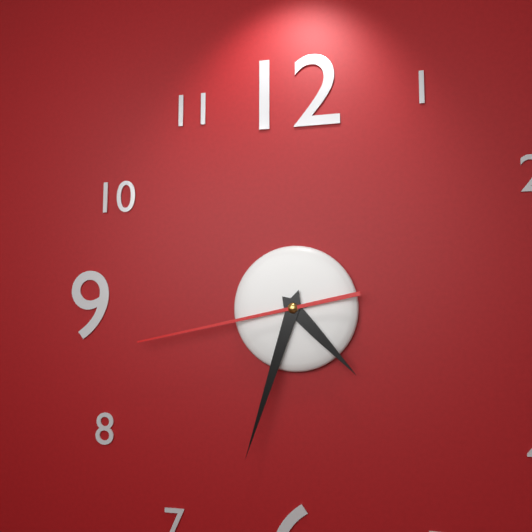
h=4 m=33 s=43
